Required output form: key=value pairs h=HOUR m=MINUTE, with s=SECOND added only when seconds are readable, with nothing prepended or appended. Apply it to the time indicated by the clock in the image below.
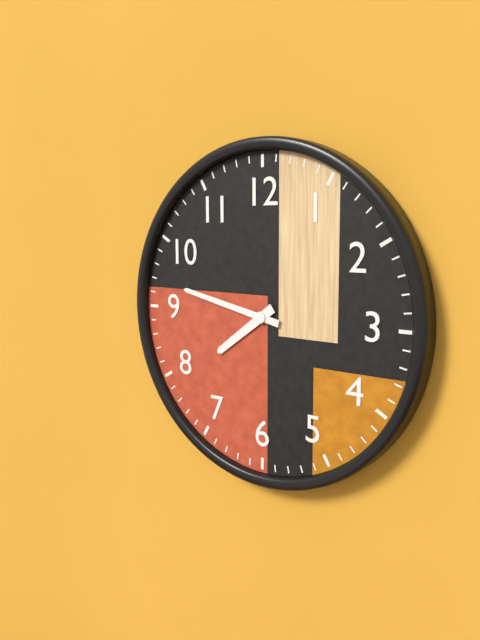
h=7 m=47
